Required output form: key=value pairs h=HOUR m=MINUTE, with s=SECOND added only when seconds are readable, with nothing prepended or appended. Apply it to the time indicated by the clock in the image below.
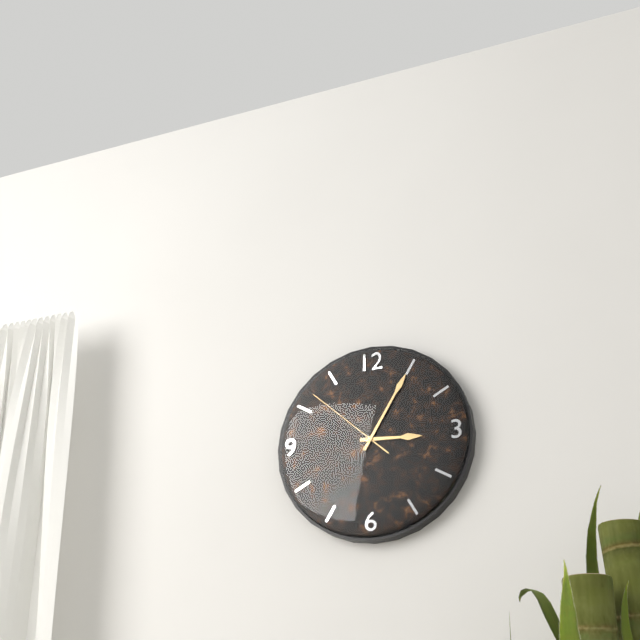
h=3 m=5 s=52
